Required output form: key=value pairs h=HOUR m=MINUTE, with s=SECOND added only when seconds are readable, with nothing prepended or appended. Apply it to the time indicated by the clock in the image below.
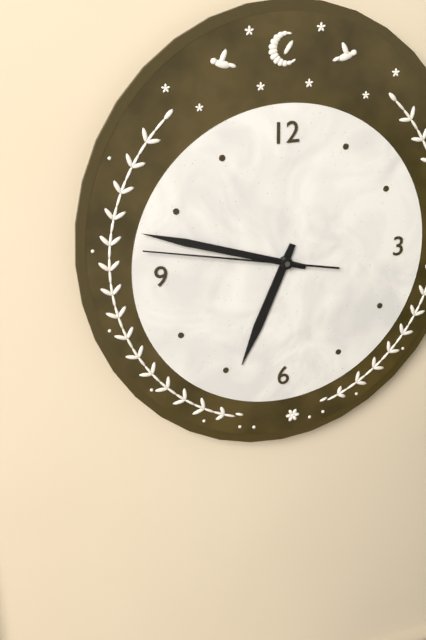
h=6 m=48 s=47
